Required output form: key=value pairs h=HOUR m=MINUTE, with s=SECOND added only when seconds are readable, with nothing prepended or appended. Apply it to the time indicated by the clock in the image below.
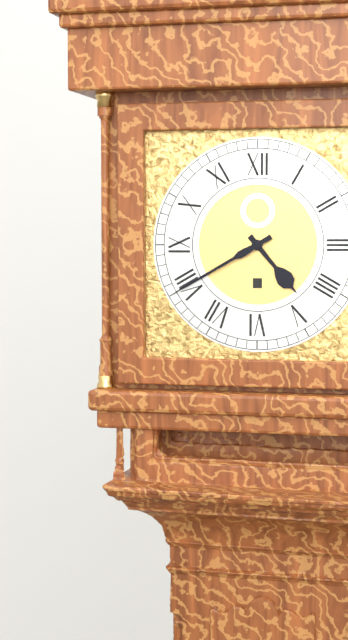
h=4 m=40
